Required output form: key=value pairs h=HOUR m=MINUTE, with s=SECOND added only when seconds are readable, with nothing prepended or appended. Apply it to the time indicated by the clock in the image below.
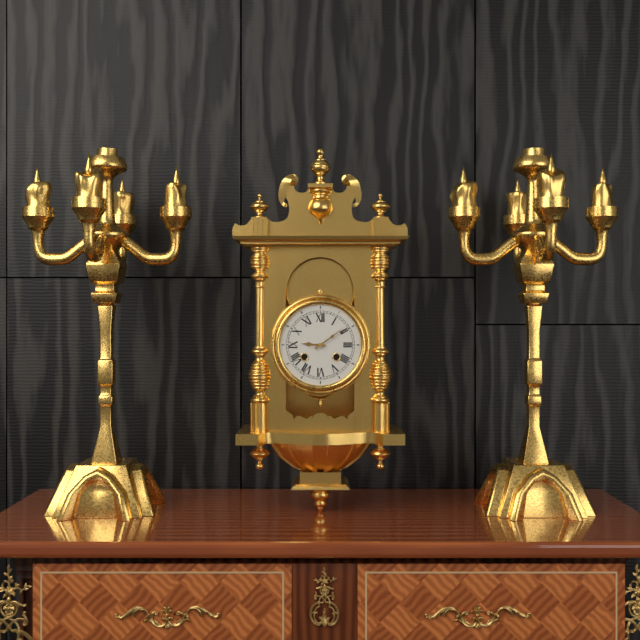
h=9 m=9
